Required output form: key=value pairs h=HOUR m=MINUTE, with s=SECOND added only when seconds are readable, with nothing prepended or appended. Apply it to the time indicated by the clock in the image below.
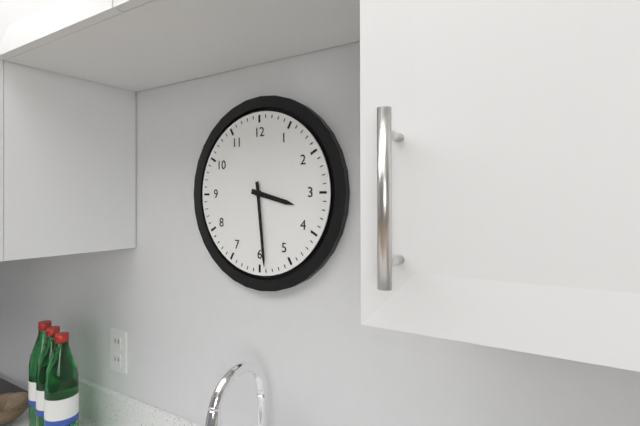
h=3 m=29
